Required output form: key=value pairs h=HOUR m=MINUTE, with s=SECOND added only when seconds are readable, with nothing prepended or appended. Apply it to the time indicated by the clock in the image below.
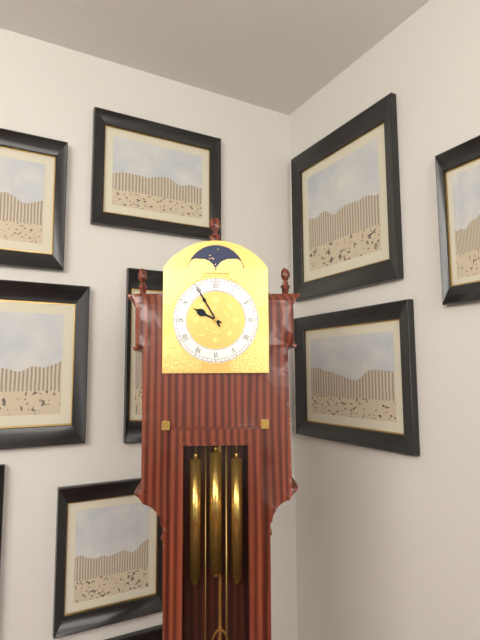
h=9 m=55
